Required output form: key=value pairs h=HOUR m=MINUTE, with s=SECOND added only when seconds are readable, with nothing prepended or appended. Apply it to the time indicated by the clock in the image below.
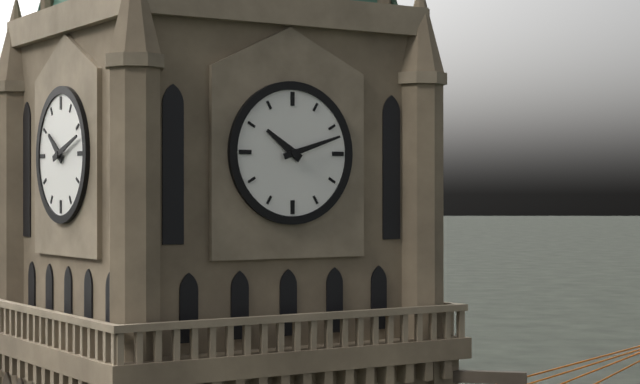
h=10 m=12
